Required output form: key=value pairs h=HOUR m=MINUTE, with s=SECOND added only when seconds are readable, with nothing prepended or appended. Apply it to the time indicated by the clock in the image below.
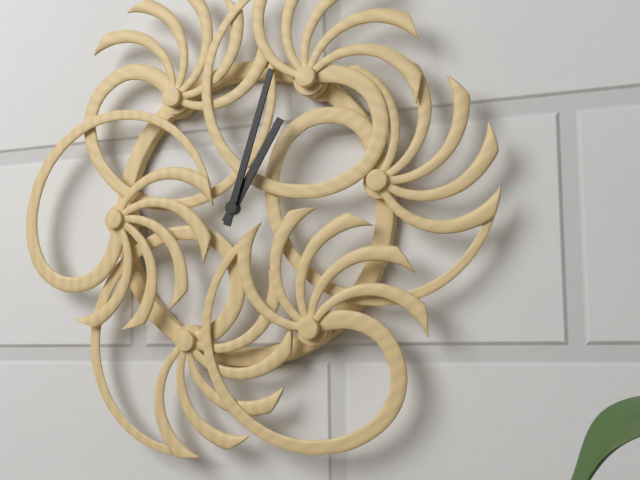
h=1 m=3
